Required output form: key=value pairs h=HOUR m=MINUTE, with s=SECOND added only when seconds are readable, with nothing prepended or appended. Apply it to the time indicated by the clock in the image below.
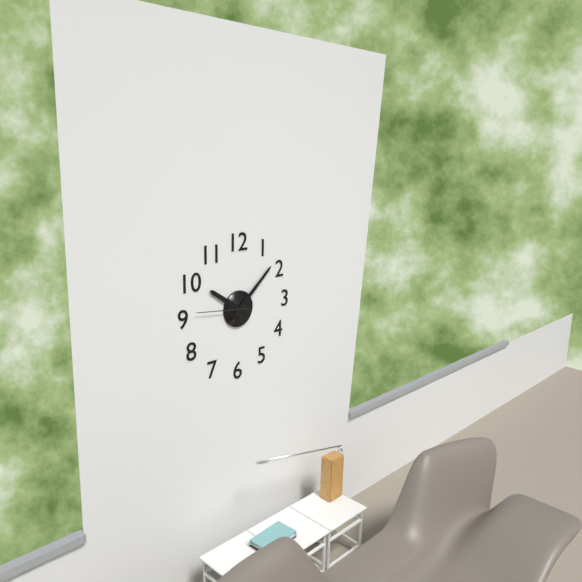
h=10 m=8 s=46
